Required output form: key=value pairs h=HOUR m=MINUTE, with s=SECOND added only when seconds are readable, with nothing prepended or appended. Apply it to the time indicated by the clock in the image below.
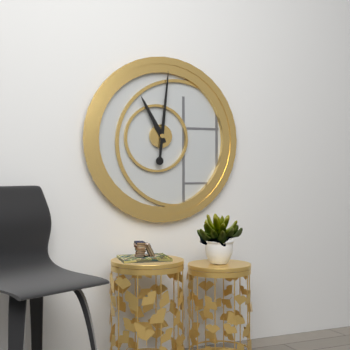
h=11 m=1
